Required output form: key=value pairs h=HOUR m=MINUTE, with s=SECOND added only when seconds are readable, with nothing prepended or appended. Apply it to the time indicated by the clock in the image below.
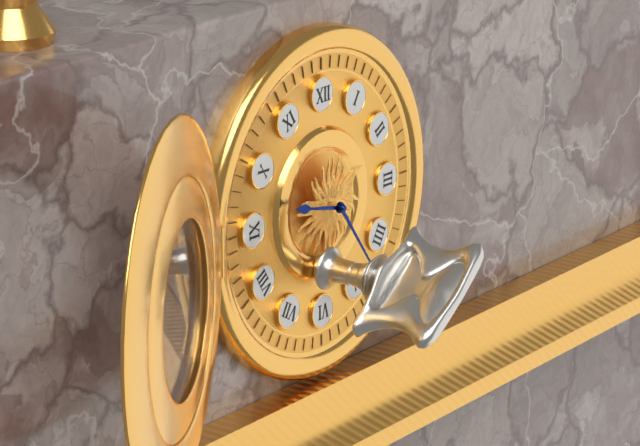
h=9 m=24
